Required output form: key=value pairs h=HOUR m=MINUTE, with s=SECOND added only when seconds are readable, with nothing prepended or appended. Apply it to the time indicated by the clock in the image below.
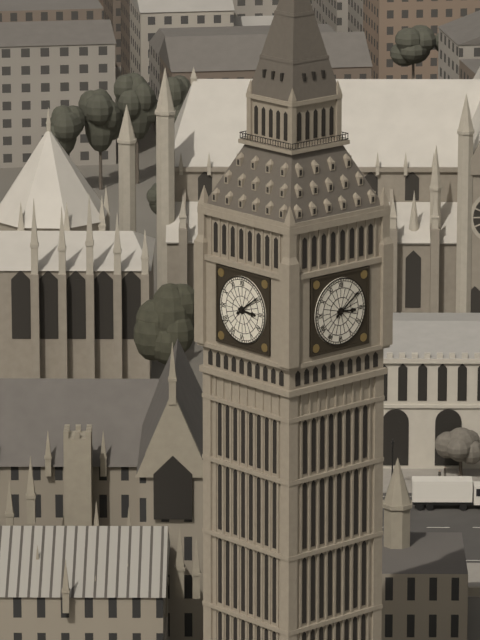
h=3 m=9
